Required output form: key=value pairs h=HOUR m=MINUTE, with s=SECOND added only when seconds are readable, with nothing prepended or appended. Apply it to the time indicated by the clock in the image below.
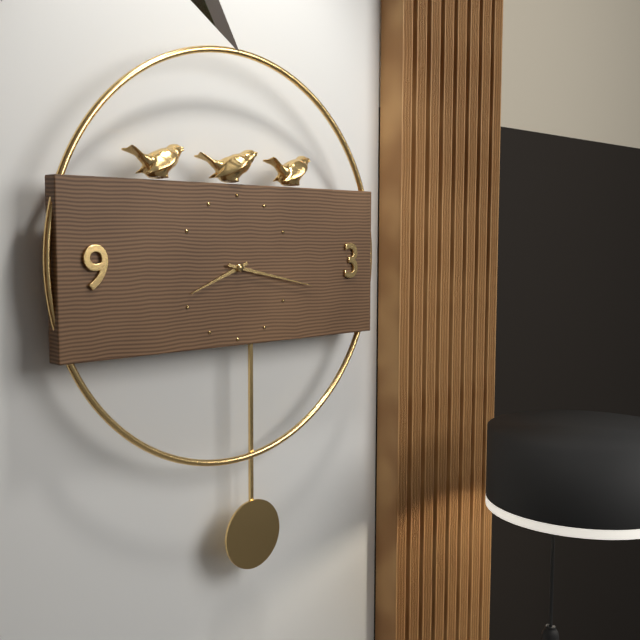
h=8 m=17
